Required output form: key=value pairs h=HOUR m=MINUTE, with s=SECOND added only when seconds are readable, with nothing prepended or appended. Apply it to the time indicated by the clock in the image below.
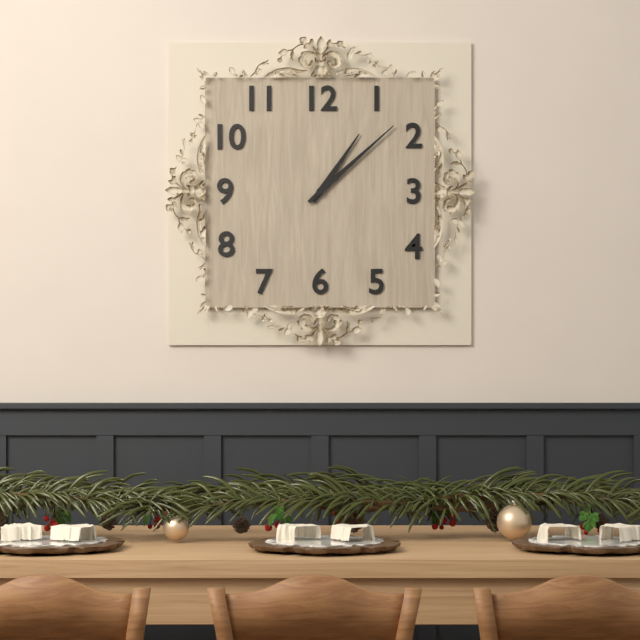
h=1 m=8
